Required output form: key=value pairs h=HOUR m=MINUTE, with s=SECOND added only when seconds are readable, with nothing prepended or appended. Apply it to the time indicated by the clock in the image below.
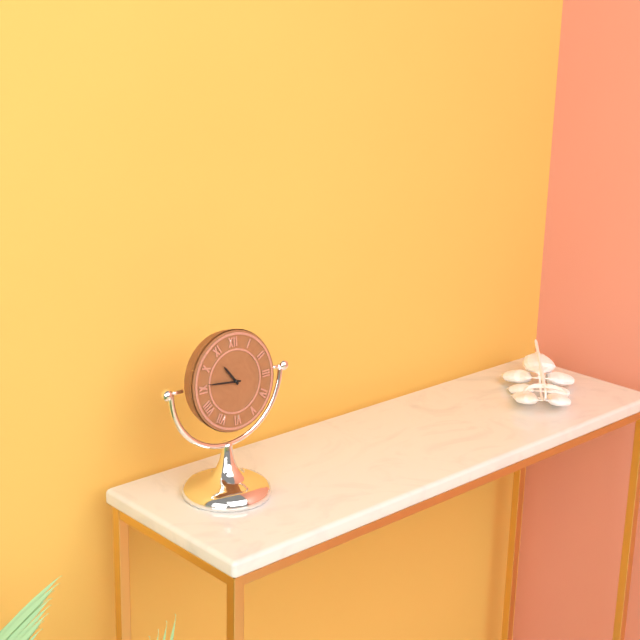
h=10 m=46
